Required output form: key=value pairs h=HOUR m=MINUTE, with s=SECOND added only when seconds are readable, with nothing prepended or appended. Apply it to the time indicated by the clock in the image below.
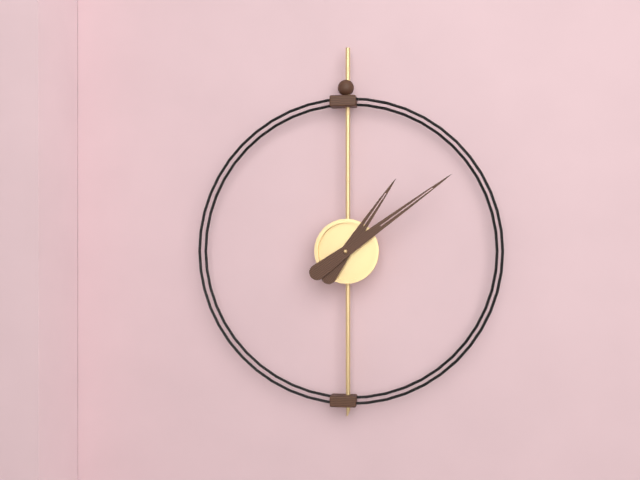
h=1 m=9
